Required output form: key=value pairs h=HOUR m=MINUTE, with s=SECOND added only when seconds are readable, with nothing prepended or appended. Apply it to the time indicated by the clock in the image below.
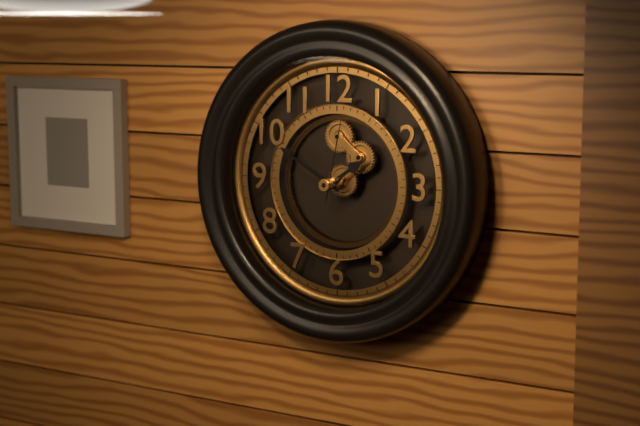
h=1 m=50 s=2
